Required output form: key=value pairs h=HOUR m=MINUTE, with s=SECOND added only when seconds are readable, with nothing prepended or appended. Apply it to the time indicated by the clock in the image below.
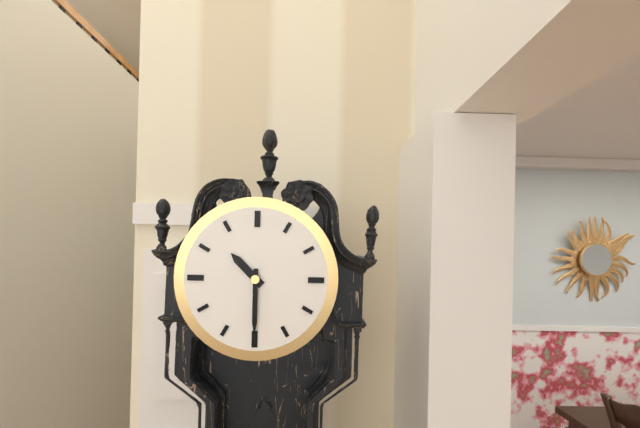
h=10 m=30
